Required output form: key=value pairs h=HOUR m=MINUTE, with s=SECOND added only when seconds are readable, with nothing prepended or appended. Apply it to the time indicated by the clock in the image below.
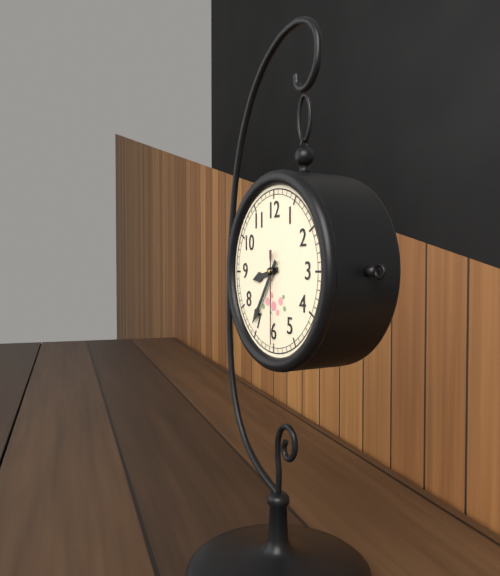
h=8 m=36 s=30
